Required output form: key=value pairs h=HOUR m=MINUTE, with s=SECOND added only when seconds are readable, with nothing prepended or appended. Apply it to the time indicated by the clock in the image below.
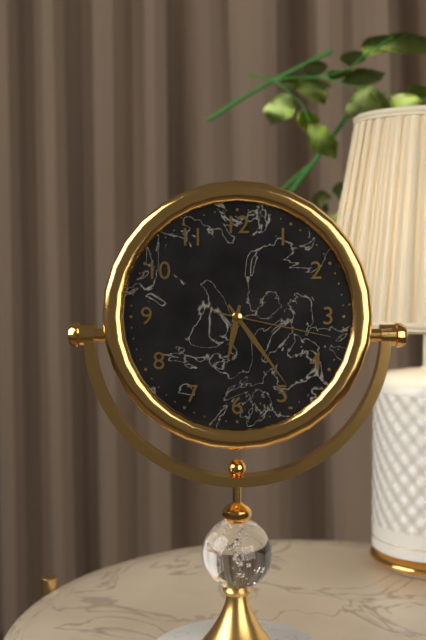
h=6 m=24 s=17
